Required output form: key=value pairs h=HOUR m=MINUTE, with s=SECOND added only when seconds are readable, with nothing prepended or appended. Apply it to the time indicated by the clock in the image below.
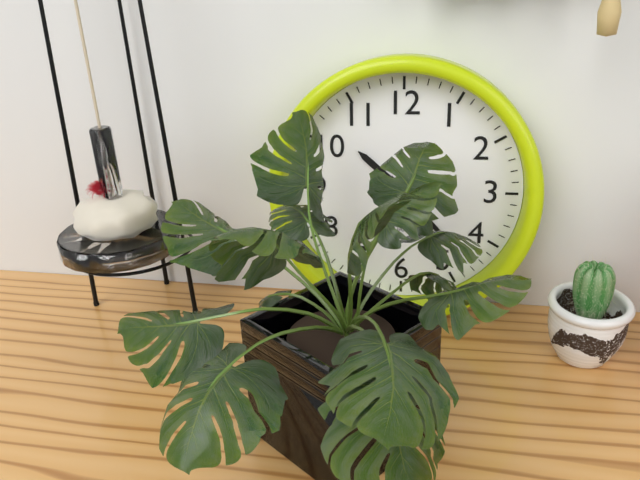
h=10 m=23
